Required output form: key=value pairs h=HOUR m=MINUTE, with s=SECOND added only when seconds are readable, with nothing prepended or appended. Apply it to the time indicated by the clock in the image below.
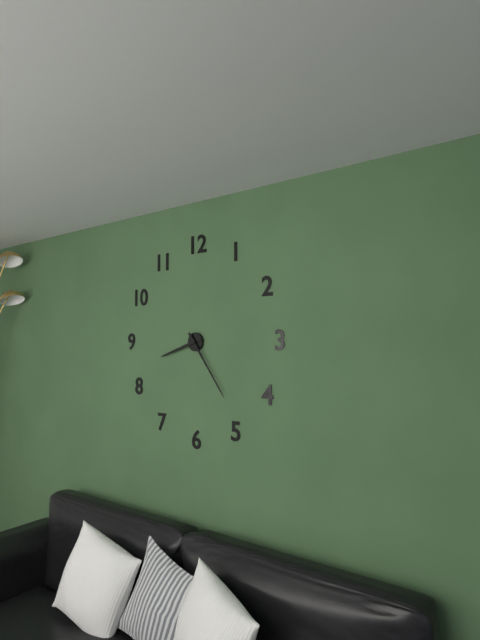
h=8 m=24
